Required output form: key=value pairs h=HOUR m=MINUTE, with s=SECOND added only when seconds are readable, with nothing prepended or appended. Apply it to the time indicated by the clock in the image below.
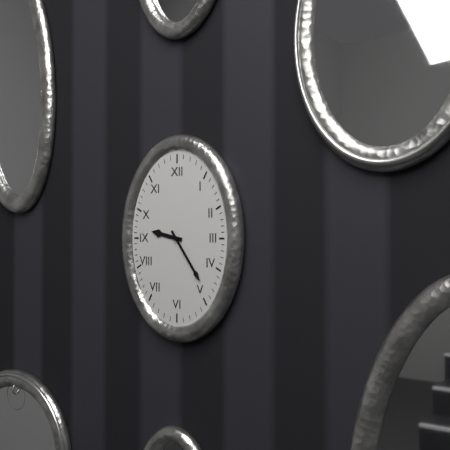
h=9 m=24
